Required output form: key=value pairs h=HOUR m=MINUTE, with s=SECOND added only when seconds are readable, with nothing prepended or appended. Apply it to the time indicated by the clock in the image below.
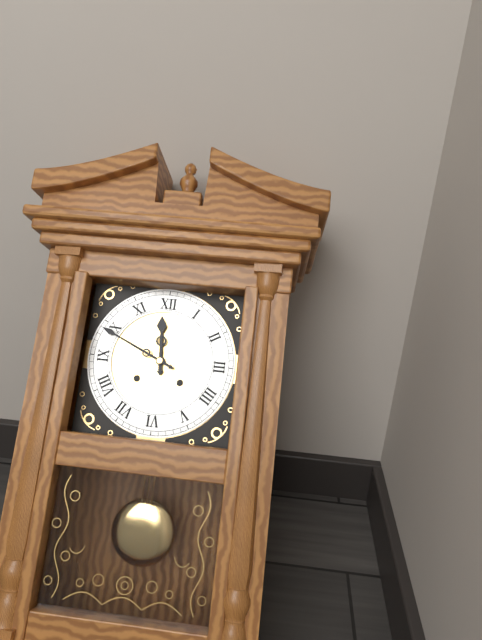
h=11 m=49
